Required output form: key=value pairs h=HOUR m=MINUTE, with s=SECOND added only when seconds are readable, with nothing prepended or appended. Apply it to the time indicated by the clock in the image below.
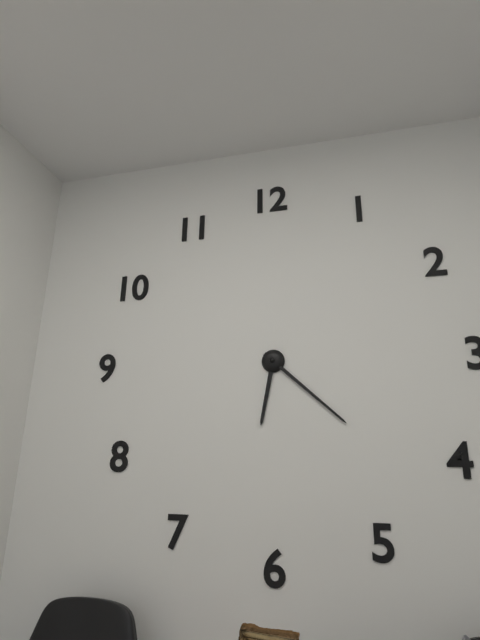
h=6 m=22
